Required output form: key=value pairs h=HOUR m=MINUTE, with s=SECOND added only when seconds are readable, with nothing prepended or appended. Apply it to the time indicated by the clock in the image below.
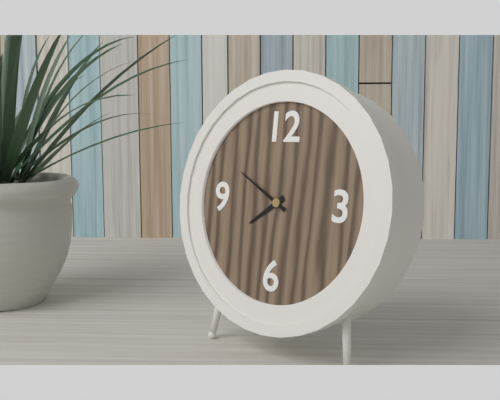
h=7 m=50
